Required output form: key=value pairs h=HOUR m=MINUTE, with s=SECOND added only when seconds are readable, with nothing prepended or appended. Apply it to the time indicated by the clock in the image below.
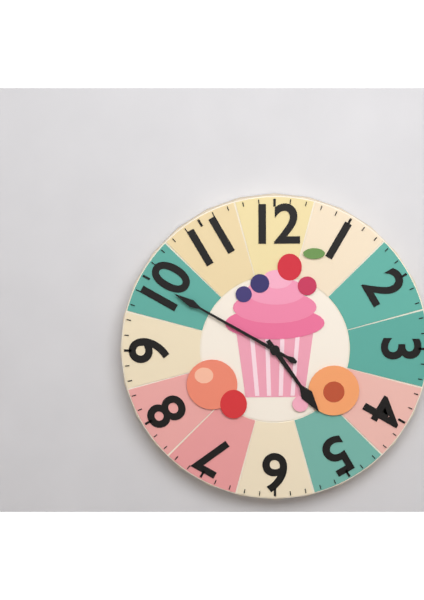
h=4 m=50
